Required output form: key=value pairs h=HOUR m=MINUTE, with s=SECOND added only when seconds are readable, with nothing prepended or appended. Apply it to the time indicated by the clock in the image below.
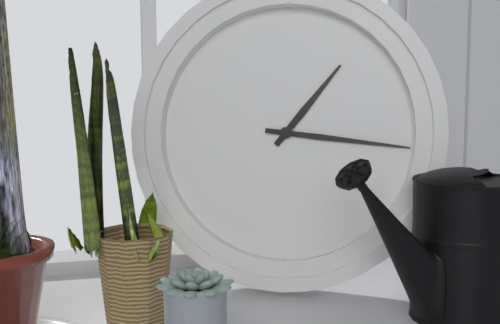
h=1 m=16
